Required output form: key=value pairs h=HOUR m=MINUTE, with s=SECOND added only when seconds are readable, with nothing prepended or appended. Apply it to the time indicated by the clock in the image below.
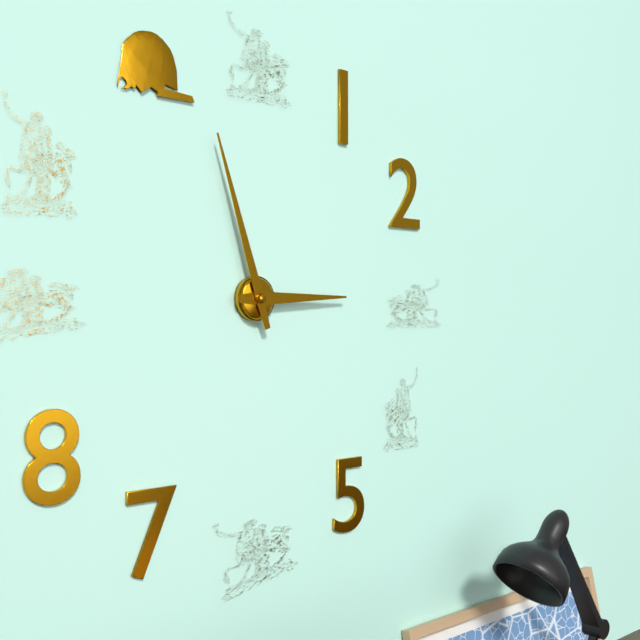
h=2 m=57
